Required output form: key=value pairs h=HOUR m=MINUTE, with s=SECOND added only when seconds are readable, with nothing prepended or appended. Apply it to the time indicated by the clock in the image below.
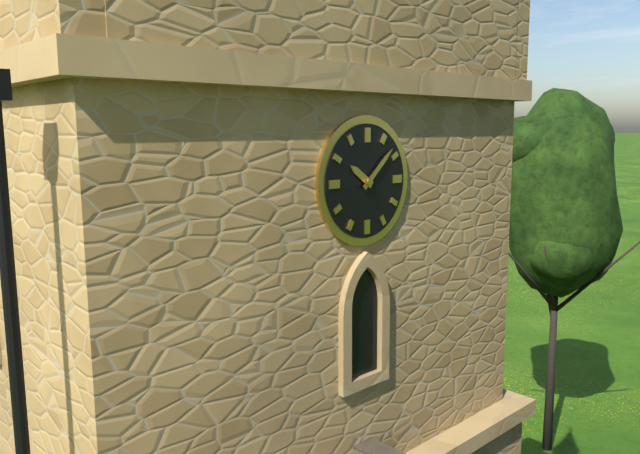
h=10 m=8
